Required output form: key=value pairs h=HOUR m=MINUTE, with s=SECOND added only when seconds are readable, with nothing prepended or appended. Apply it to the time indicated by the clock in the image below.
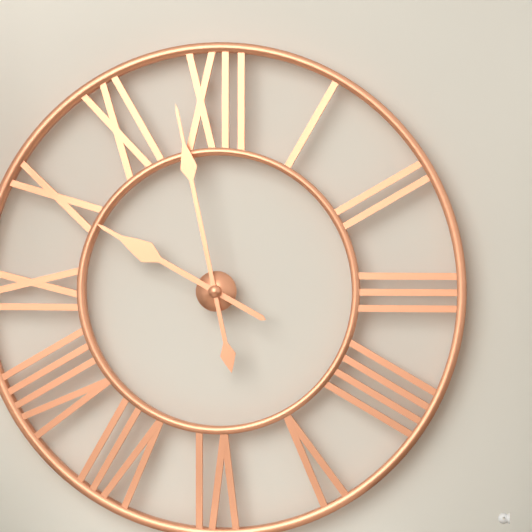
h=9 m=58
